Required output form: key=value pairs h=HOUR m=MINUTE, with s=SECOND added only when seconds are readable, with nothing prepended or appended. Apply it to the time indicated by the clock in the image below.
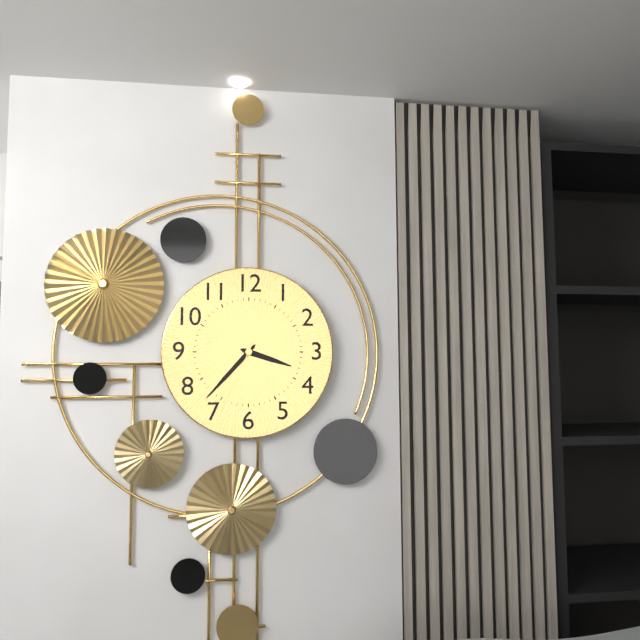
h=3 m=37 s=34
